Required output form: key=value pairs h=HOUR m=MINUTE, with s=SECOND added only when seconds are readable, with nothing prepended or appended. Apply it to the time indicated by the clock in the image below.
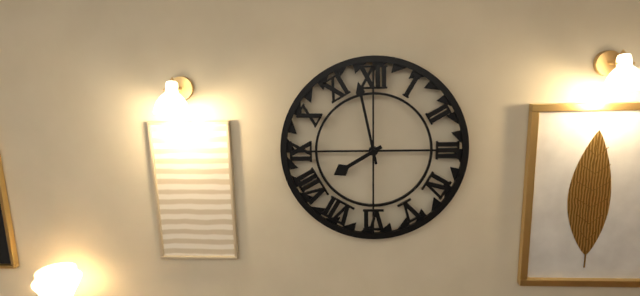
h=7 m=58
